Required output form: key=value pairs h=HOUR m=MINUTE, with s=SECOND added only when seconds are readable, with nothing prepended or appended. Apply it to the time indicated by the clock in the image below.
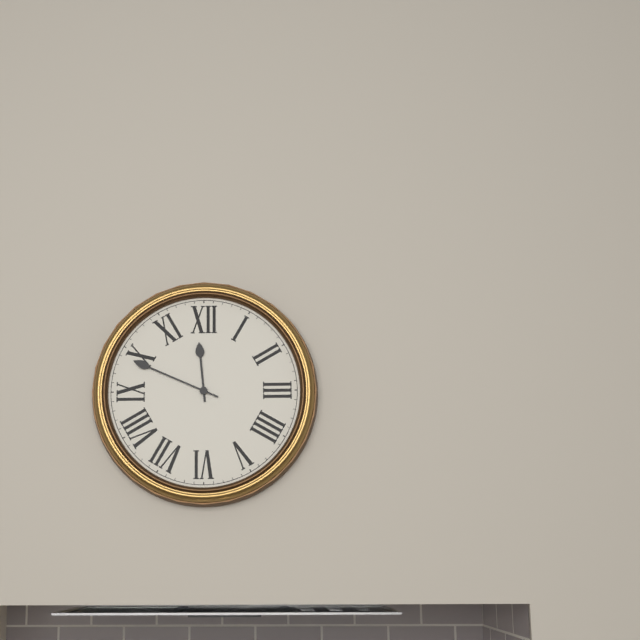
h=11 m=49
